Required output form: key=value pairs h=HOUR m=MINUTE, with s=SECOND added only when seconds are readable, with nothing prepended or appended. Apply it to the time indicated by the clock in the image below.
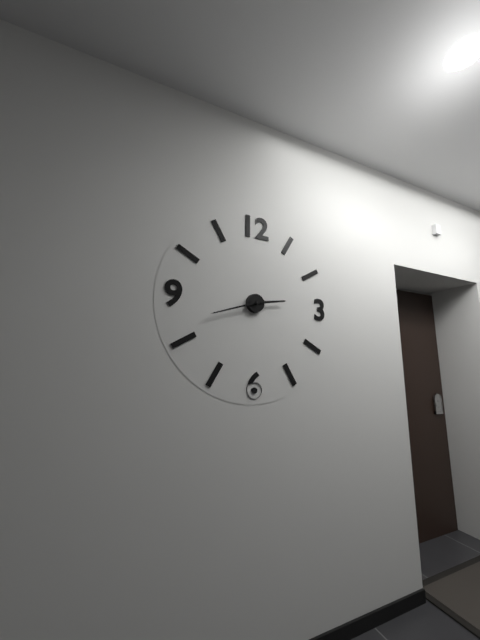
h=2 m=42
